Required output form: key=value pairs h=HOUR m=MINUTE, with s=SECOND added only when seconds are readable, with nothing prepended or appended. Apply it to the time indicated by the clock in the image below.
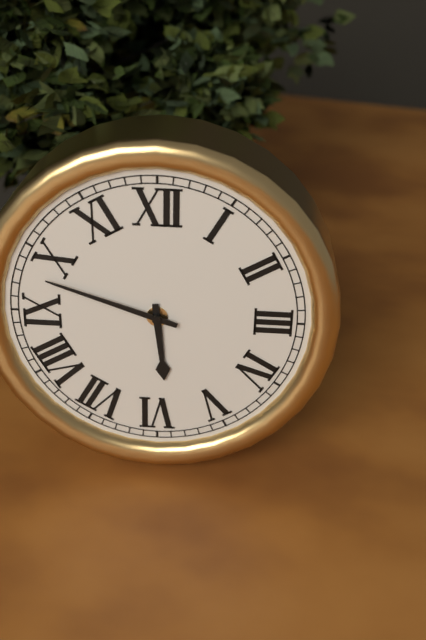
h=5 m=48
